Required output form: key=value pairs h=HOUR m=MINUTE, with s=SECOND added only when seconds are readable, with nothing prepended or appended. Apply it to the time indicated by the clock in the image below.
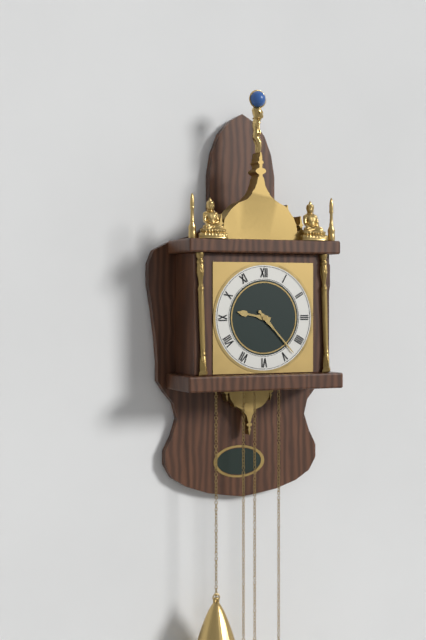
h=9 m=23
